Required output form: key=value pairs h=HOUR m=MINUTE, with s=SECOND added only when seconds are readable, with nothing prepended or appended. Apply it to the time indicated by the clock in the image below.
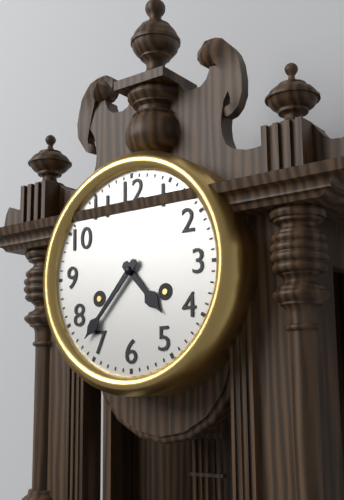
h=4 m=37
